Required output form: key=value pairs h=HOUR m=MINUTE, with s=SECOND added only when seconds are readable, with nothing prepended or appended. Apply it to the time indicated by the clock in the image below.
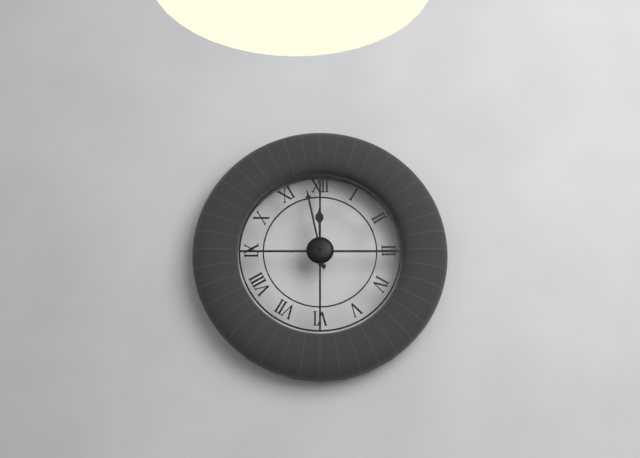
h=11 m=58
